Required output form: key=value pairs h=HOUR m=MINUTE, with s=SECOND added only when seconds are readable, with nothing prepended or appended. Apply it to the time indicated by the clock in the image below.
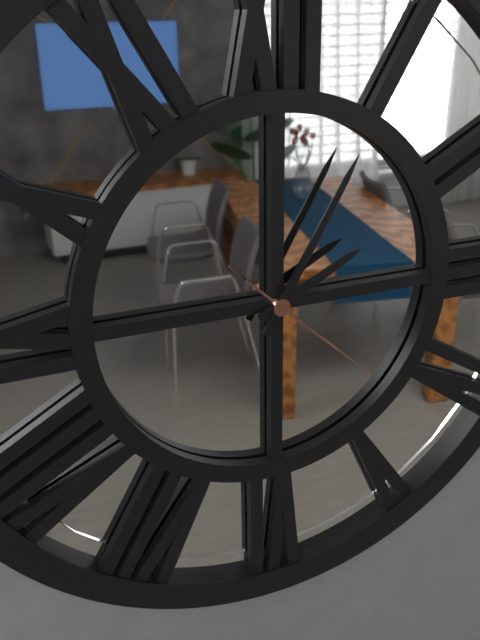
h=2 m=5 s=22
